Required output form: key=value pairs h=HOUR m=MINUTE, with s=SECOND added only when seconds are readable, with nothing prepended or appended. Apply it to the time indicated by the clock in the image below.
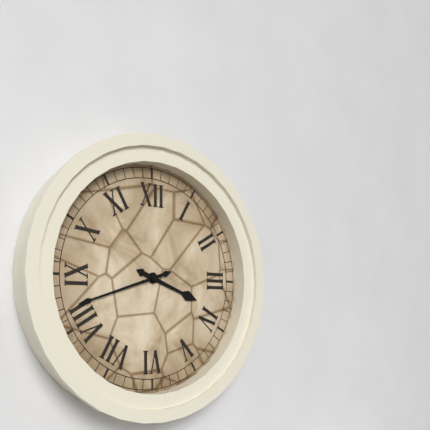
h=3 m=42
